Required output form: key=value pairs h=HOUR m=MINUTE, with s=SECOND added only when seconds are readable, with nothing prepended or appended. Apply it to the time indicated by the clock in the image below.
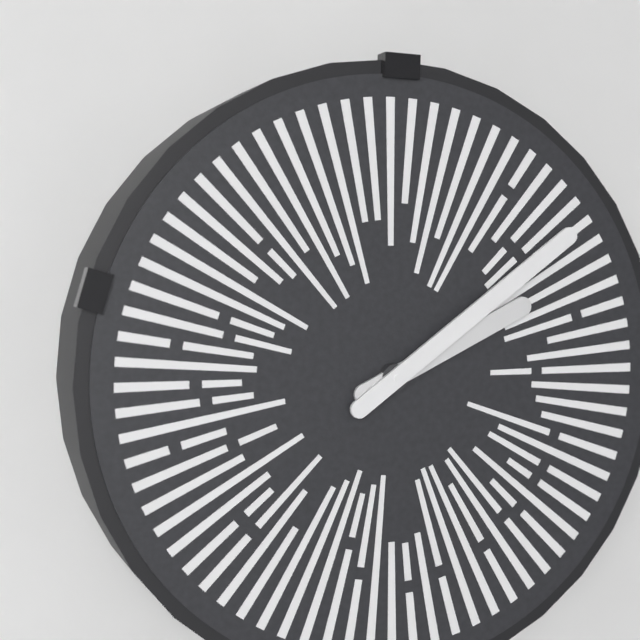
h=2 m=9
